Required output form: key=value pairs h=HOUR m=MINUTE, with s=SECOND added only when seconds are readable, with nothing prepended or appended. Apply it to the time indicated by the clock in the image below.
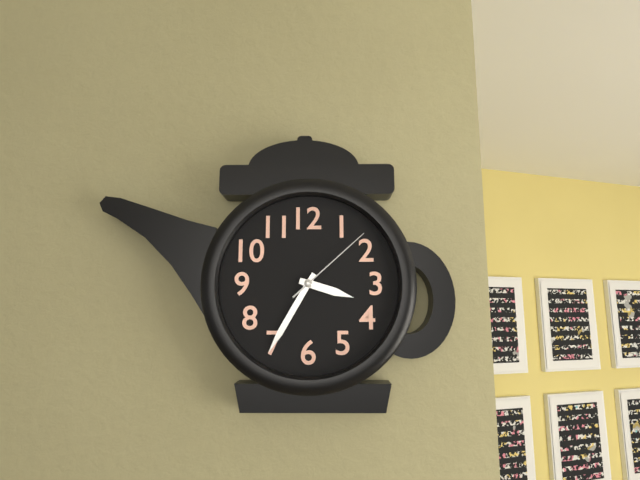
h=3 m=35 s=8
